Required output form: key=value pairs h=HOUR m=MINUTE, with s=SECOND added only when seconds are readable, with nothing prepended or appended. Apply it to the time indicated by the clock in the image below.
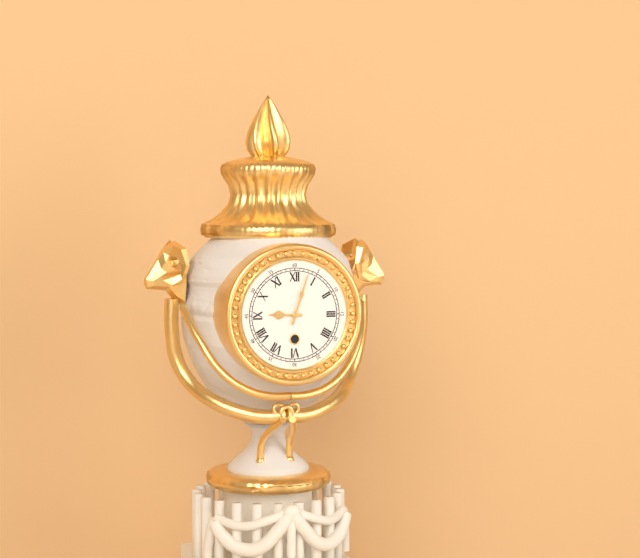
h=9 m=3
